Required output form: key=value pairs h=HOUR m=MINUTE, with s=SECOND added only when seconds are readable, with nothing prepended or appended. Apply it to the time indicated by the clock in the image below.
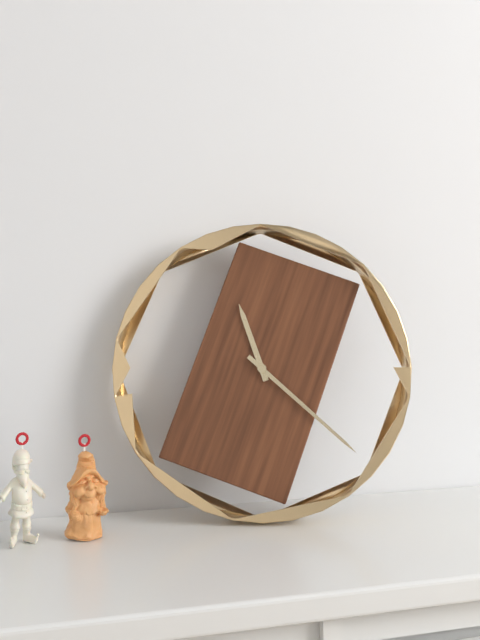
h=11 m=22
